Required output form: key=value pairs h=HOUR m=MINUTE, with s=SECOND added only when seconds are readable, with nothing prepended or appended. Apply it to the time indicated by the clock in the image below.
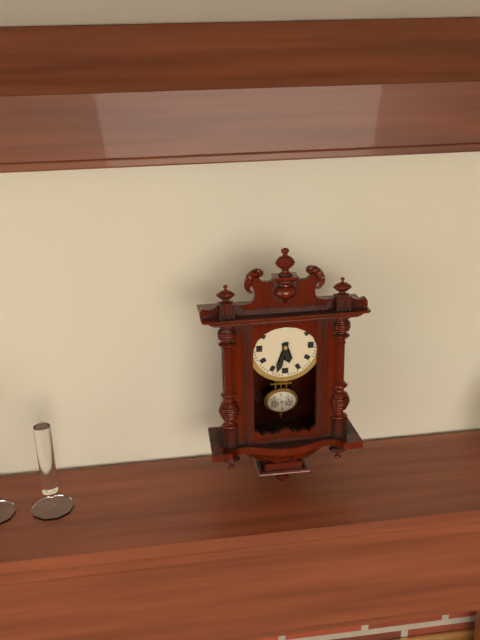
h=5 m=33
